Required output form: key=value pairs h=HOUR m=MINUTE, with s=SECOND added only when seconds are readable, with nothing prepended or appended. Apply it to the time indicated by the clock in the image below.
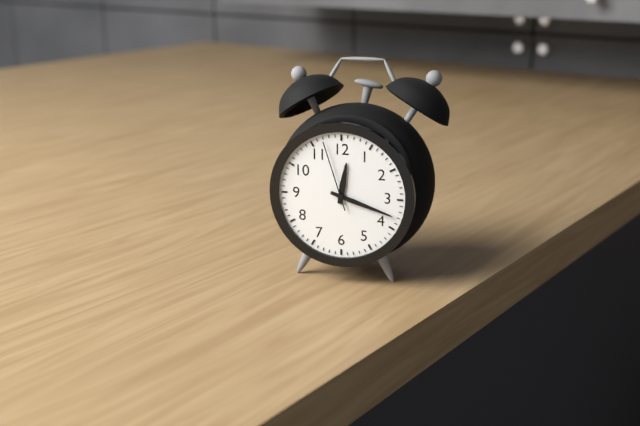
h=12 m=18 s=57
